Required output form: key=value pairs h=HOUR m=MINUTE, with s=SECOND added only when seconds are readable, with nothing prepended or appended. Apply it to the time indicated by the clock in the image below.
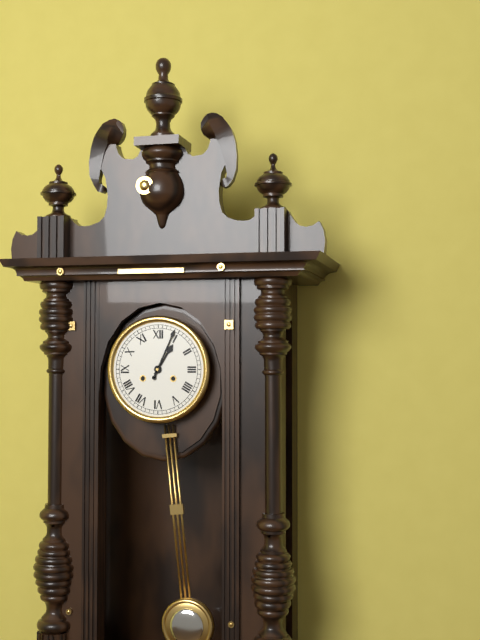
h=1 m=4
